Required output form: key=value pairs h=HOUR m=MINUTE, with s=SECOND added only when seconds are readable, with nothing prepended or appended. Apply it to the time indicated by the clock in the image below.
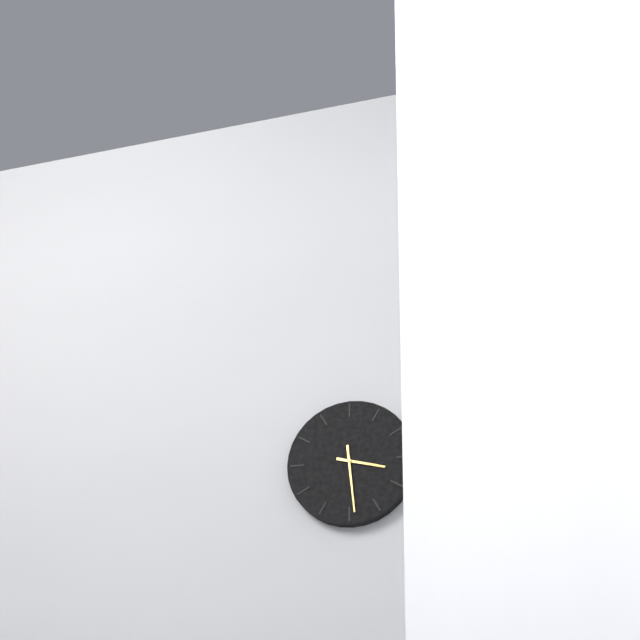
h=3 m=29
